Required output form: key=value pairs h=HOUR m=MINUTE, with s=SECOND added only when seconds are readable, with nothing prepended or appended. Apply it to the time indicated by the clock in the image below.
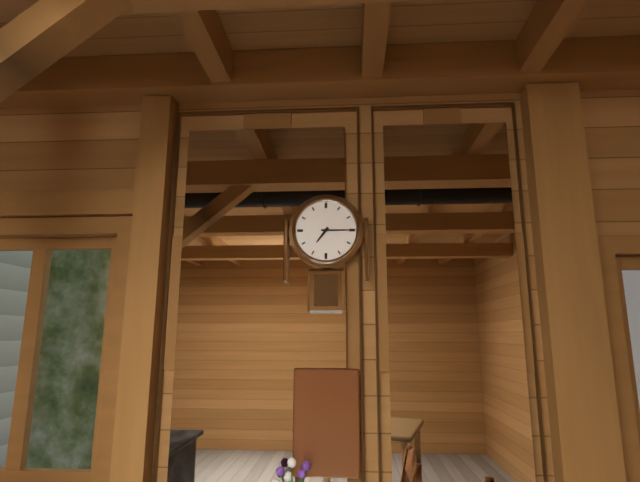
h=7 m=15
